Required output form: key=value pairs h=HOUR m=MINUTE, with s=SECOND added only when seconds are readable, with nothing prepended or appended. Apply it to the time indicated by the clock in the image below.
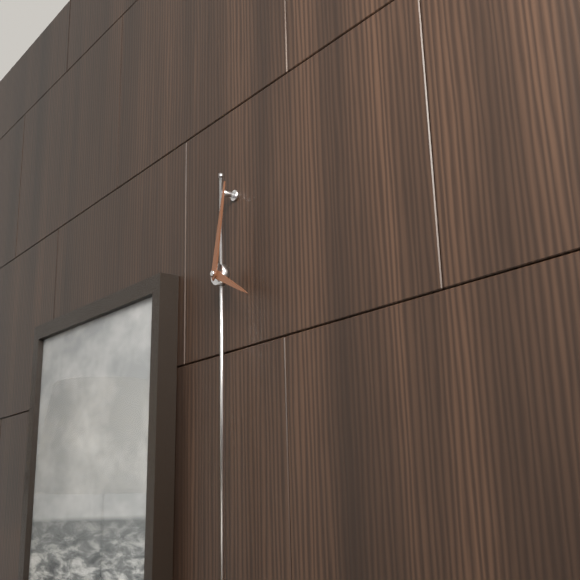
h=4 m=2
